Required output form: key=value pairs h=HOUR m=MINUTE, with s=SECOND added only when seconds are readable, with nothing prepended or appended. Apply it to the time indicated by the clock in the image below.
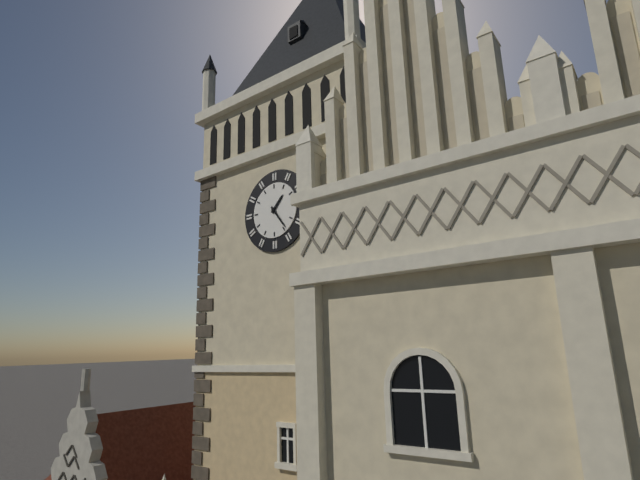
h=1 m=24
